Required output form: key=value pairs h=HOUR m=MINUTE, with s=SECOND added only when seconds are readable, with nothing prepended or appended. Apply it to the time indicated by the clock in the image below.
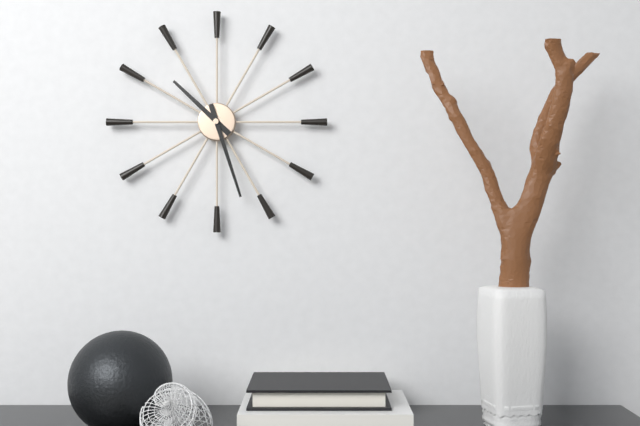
h=10 m=27
